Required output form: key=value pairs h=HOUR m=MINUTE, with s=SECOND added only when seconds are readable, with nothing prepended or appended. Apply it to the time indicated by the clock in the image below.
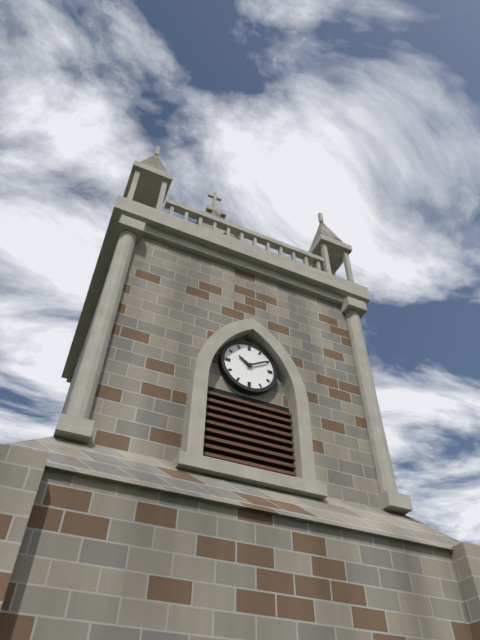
h=10 m=10
